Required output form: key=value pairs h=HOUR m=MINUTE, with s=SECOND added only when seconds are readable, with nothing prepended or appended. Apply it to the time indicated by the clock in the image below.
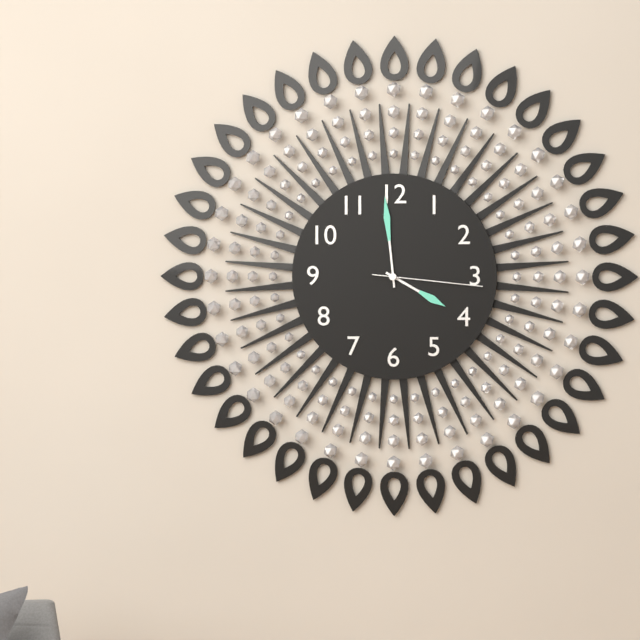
h=3 m=59 s=16
